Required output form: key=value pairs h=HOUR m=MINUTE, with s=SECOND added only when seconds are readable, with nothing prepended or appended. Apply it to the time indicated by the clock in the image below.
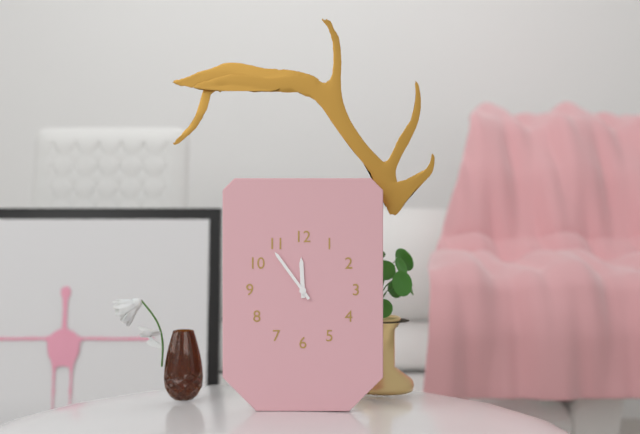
h=11 m=54
